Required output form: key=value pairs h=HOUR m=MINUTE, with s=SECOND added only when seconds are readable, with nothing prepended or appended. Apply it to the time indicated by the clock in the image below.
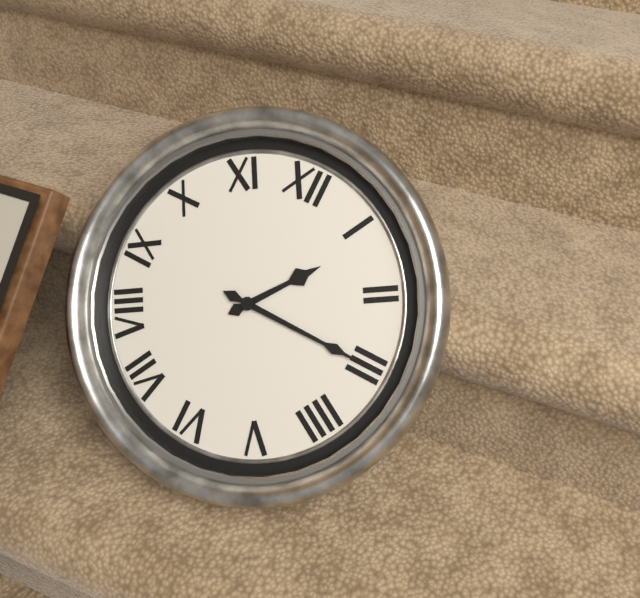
h=1 m=15
